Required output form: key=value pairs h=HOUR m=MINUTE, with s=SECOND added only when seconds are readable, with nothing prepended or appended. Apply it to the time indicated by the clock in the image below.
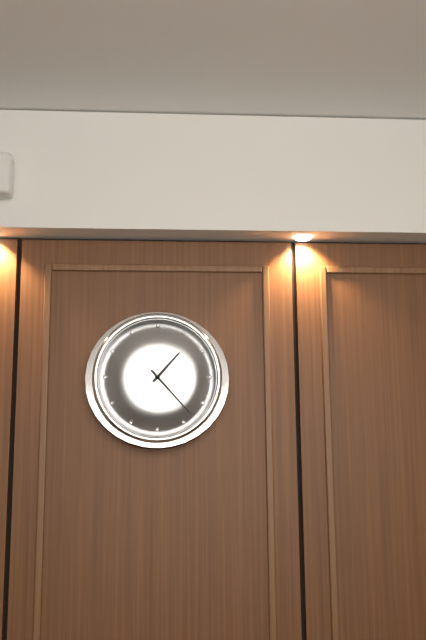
h=1 m=23
